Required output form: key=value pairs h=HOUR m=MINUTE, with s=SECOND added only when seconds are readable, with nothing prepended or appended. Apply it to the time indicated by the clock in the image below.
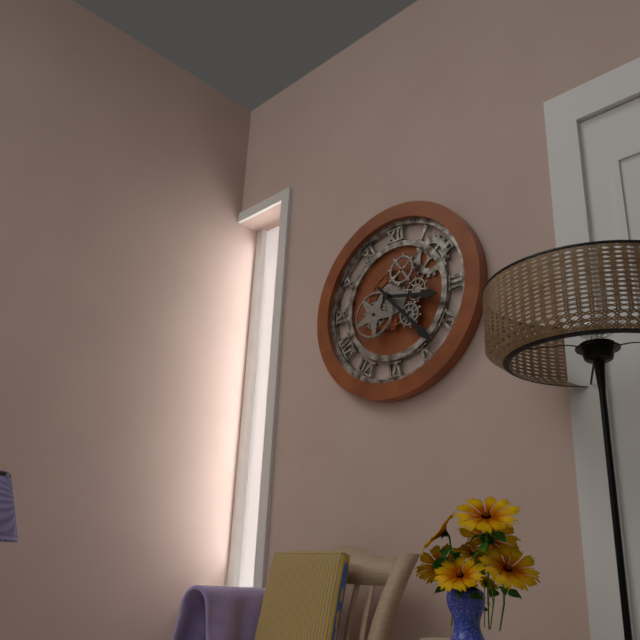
h=3 m=23
